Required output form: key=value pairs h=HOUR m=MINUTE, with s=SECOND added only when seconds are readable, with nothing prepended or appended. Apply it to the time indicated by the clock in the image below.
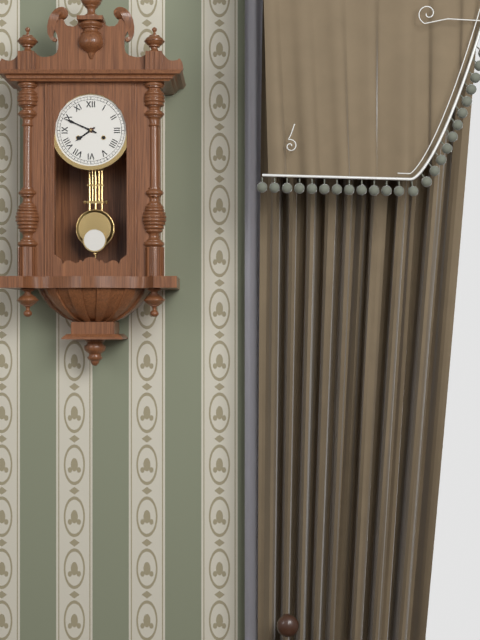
h=7 m=49
